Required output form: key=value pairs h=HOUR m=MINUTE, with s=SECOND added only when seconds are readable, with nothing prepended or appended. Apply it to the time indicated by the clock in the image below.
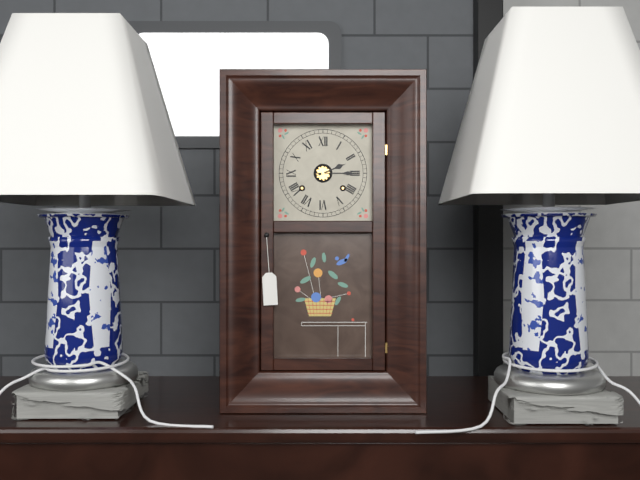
h=2 m=15
